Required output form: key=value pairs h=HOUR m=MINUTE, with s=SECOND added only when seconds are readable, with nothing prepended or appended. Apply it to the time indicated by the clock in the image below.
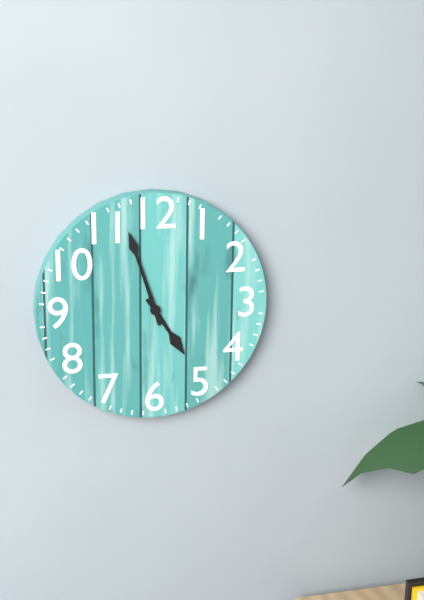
h=4 m=57
